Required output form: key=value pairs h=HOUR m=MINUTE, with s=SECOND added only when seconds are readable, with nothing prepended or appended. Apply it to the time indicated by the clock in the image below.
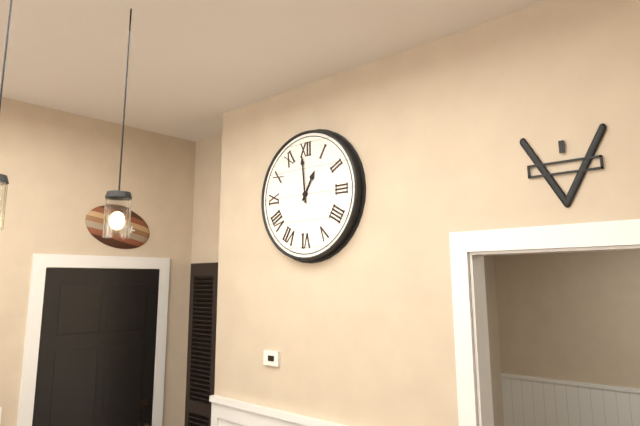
h=12 m=59
